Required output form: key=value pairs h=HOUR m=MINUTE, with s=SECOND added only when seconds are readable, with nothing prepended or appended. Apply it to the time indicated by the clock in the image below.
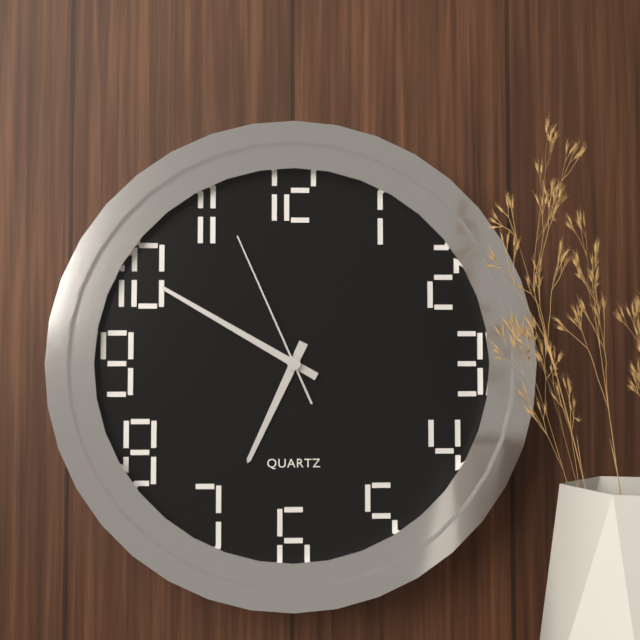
h=6 m=50 s=56
